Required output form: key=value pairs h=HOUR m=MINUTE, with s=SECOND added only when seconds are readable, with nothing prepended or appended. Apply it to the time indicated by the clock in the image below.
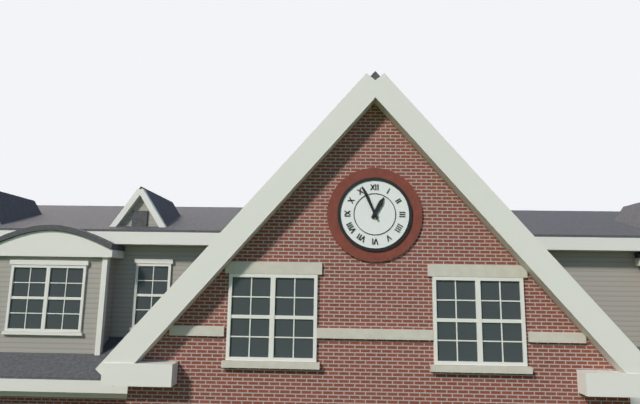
h=12 m=56
